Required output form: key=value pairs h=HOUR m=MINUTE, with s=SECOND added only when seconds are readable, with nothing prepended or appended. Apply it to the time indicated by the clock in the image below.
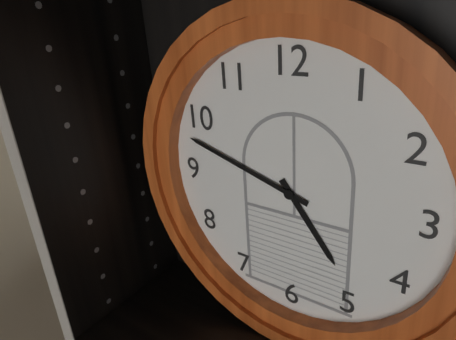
h=4 m=48
